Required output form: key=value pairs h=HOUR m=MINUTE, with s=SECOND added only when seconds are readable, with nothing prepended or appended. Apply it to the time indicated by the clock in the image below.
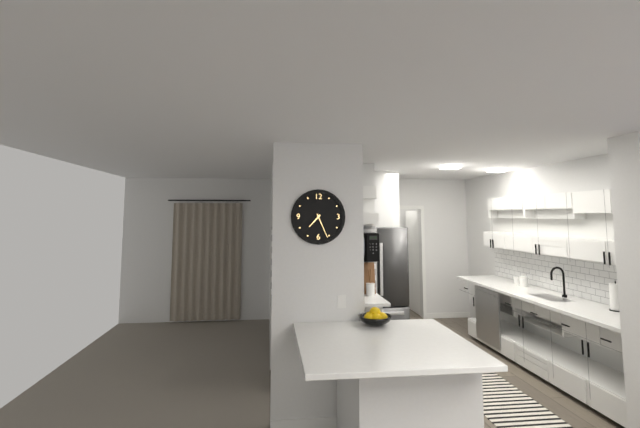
h=7 m=26
